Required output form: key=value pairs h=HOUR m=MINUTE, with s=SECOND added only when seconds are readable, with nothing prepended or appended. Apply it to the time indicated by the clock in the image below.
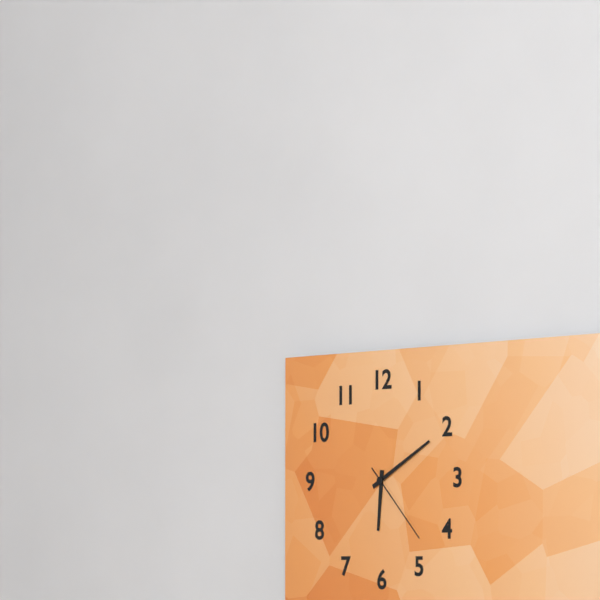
h=6 m=10 s=23
